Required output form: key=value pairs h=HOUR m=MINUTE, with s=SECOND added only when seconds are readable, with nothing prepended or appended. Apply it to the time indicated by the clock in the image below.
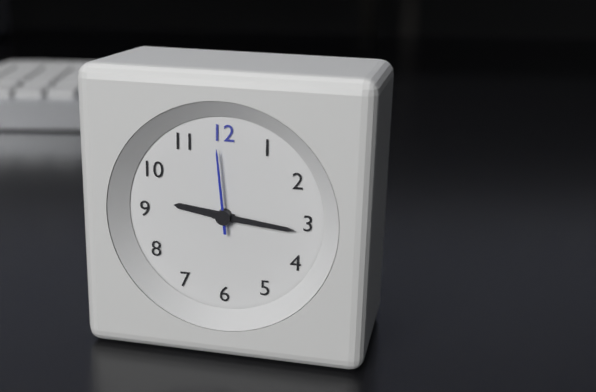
h=9 m=16 s=59
